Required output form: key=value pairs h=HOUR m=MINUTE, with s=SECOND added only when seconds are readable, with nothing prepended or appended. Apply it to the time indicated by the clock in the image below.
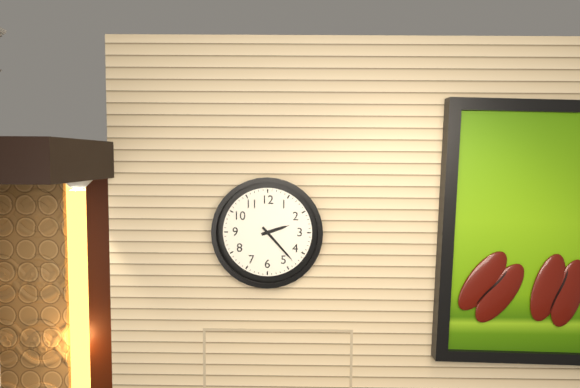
h=2 m=23
